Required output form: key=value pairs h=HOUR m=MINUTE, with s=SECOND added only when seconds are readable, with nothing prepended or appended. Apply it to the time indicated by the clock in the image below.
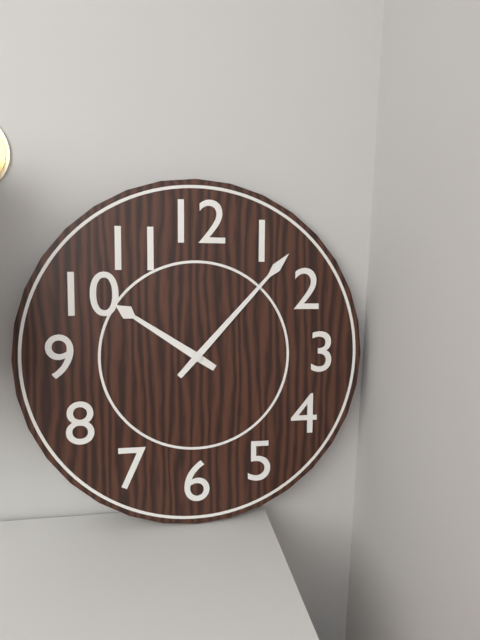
h=10 m=7
